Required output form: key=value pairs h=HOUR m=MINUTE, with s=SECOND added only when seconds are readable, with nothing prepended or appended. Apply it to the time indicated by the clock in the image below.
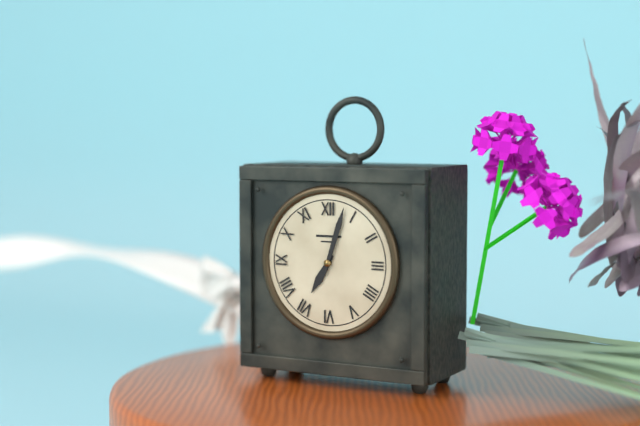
h=7 m=3
